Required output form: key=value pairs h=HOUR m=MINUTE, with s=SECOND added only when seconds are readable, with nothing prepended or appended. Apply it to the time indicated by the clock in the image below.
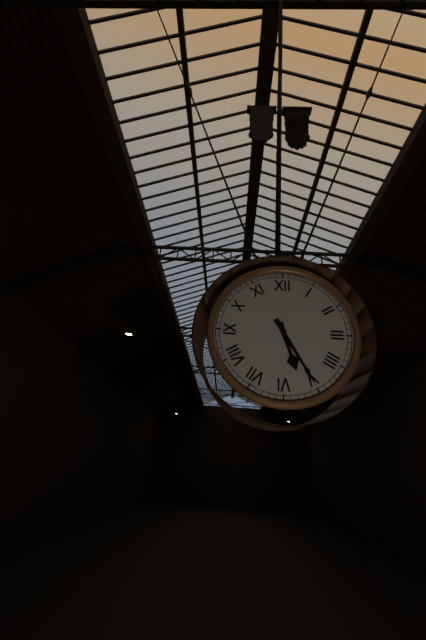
h=5 m=25
